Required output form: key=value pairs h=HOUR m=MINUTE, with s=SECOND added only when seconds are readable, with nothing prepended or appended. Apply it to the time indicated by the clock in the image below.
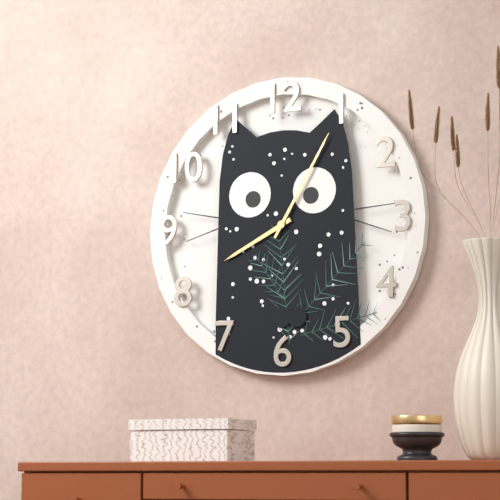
h=8 m=5
